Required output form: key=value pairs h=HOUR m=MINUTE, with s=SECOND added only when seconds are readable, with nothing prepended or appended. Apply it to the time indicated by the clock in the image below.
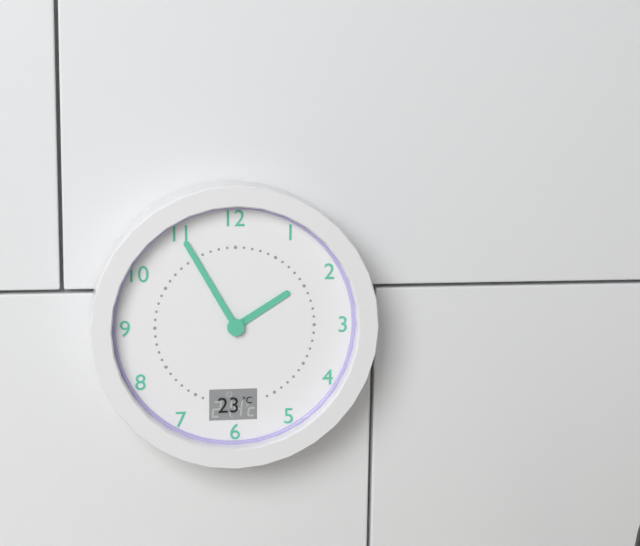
h=1 m=55
